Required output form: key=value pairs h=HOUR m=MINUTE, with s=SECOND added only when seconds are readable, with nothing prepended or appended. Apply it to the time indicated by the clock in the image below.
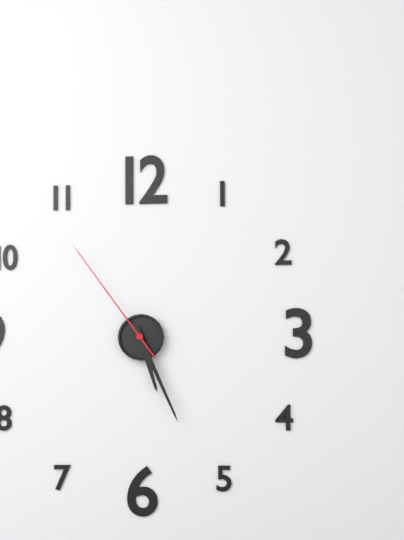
h=5 m=26 s=54
